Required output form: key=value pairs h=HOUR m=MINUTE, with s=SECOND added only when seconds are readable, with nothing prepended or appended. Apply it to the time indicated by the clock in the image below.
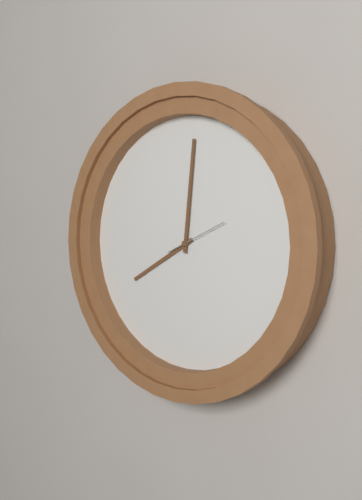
h=8 m=1 s=11
